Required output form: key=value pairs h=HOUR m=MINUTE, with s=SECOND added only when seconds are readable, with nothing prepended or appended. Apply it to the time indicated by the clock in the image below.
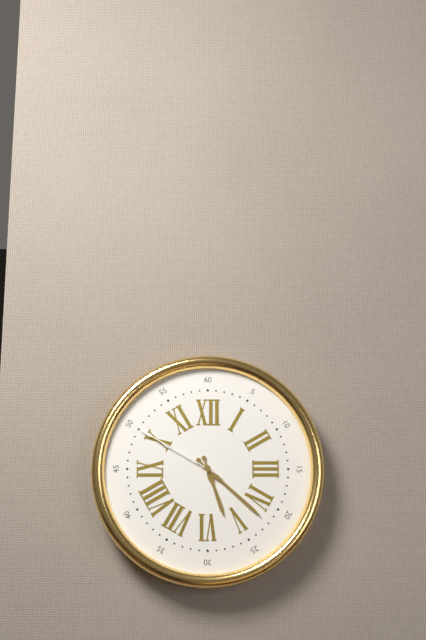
h=5 m=22 s=50
